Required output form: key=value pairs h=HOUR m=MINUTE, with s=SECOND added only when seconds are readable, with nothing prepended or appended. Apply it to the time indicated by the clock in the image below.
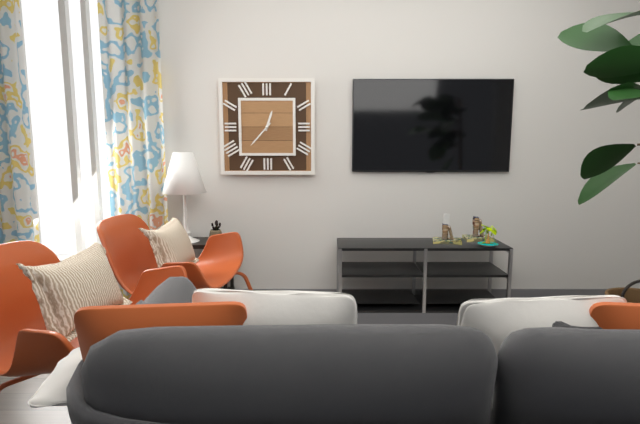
h=12 m=37
